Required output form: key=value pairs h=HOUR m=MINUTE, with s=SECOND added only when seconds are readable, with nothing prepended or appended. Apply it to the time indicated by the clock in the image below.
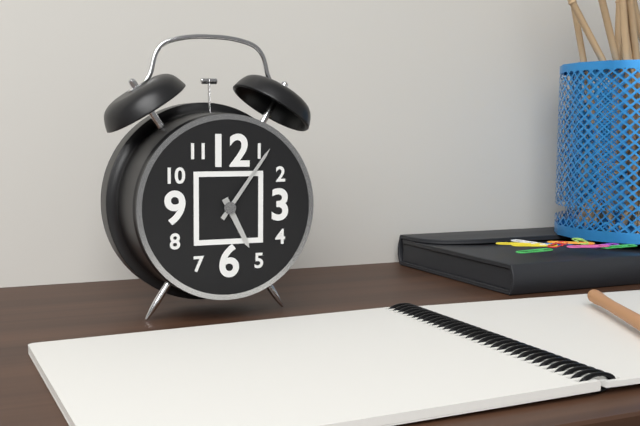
h=5 m=6
